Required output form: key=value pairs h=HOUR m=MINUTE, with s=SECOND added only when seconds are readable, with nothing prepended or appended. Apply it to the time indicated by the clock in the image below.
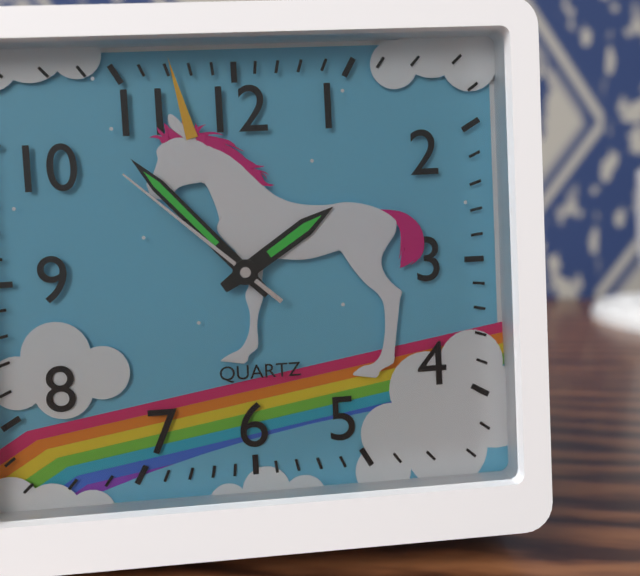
h=1 m=53 s=52
